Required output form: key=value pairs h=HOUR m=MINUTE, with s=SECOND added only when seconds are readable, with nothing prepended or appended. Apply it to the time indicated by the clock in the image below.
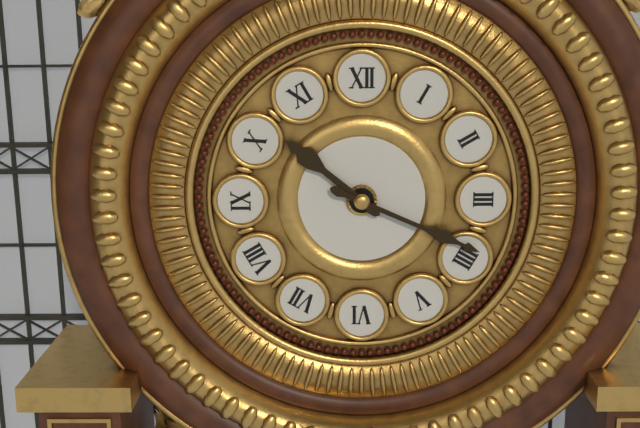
h=10 m=19
